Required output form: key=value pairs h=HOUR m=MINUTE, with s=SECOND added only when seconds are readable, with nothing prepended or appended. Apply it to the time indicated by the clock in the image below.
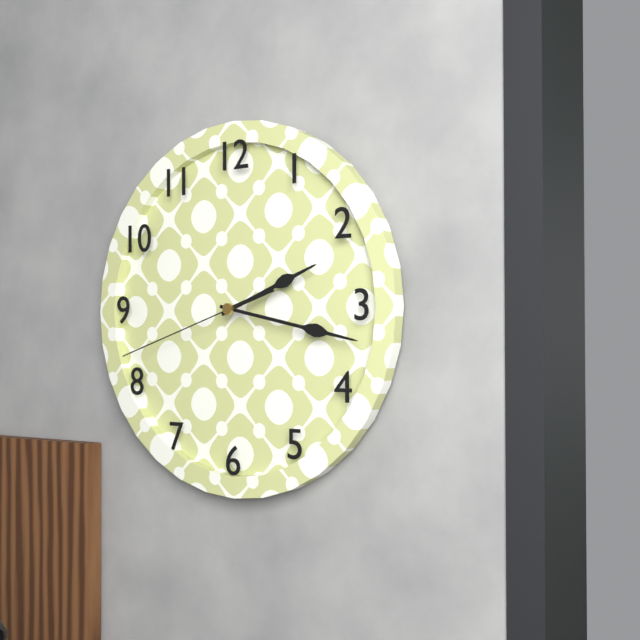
h=2 m=17 s=42
